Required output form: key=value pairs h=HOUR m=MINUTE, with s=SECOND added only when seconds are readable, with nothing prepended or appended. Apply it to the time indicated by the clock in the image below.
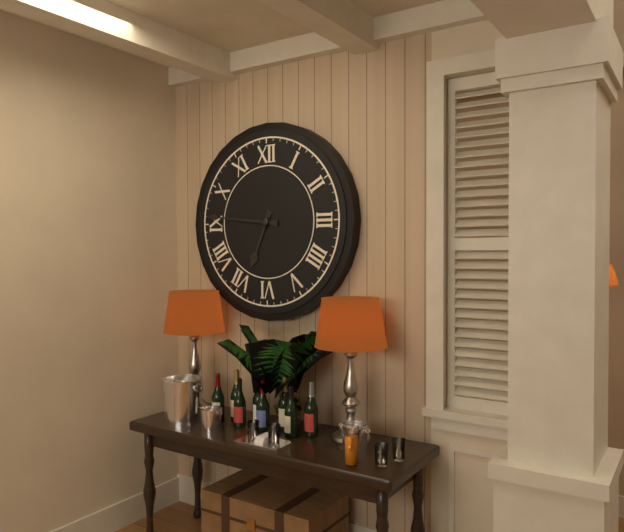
h=6 m=46
